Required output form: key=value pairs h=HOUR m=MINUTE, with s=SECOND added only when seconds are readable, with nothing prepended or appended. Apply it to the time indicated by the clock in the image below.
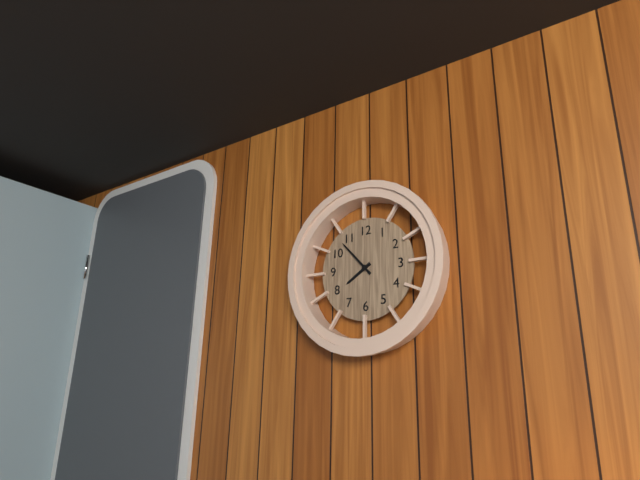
h=7 m=53
